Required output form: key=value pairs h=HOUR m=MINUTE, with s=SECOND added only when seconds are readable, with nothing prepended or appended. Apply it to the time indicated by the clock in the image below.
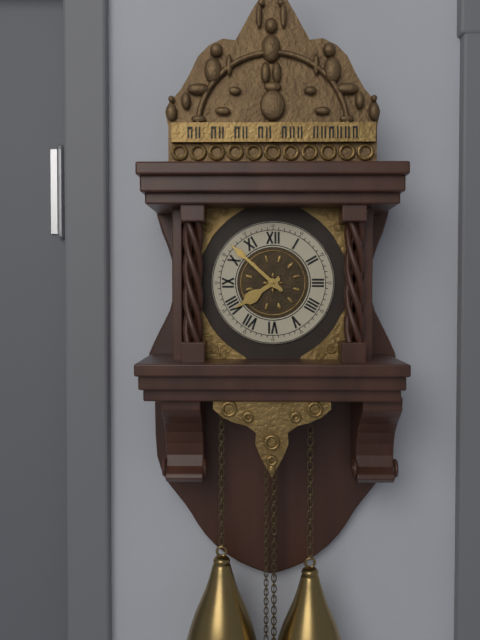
h=7 m=52
